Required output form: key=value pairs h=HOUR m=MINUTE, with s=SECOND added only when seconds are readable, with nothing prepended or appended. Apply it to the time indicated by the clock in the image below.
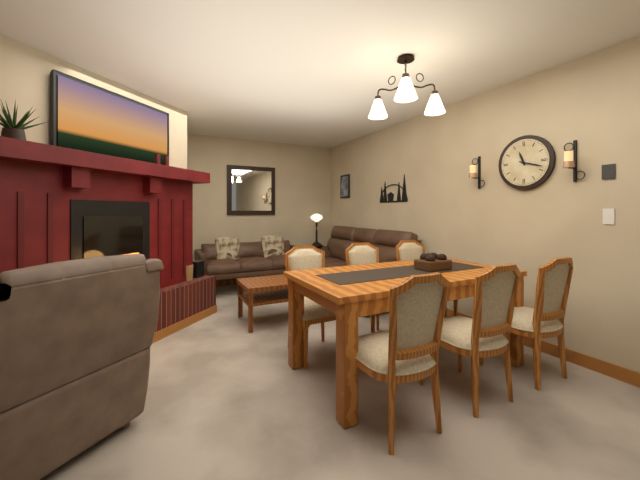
h=11 m=18
